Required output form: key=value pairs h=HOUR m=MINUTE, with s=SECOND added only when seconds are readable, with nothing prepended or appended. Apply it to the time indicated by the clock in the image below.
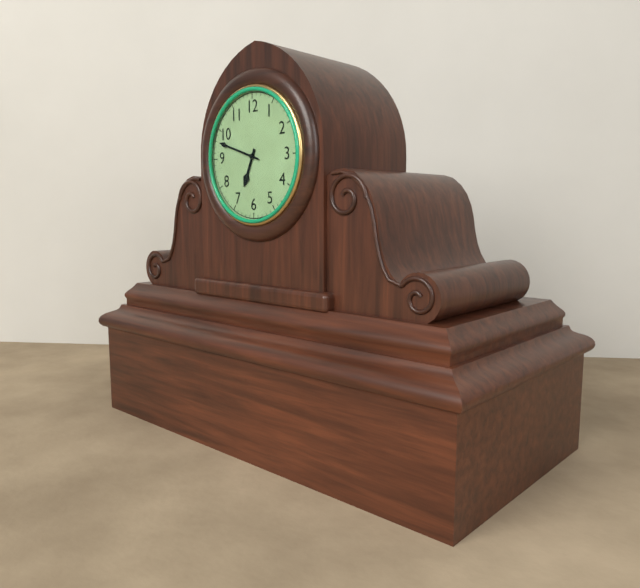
h=6 m=48
